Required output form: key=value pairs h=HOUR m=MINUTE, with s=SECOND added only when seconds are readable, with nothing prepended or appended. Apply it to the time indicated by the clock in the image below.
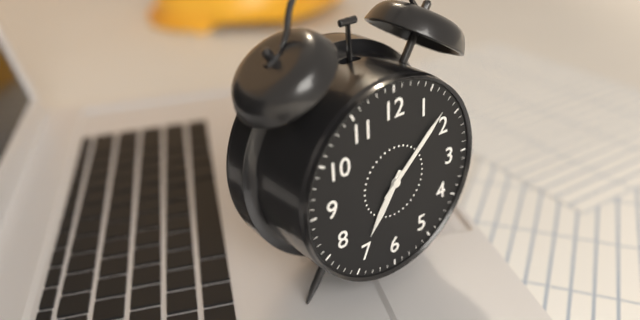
h=7 m=8
